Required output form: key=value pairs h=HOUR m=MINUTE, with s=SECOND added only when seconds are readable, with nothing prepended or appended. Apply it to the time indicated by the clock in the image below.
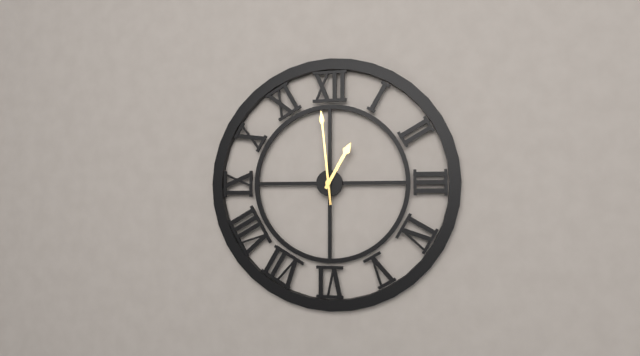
h=12 m=59
